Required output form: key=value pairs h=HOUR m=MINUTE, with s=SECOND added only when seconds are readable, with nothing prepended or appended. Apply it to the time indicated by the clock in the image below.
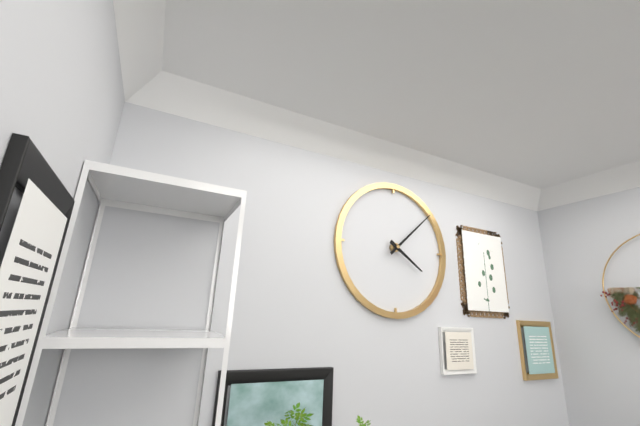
h=4 m=8
